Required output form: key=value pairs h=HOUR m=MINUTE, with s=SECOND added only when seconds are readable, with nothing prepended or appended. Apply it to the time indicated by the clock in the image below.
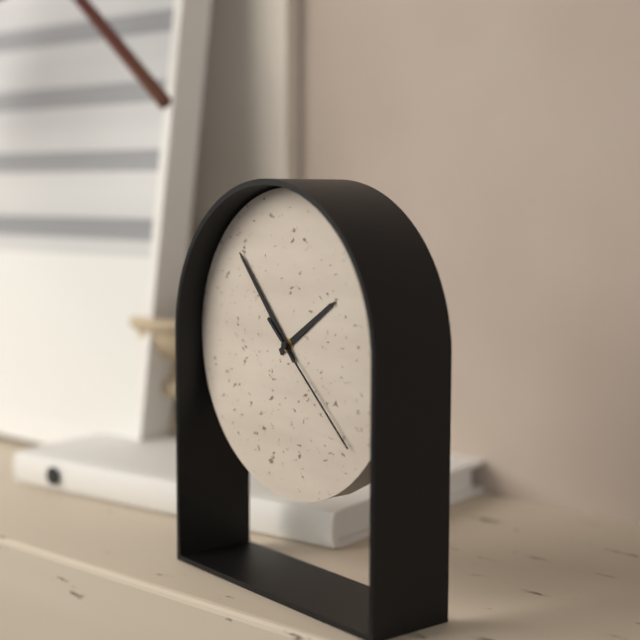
h=1 m=53 s=22
